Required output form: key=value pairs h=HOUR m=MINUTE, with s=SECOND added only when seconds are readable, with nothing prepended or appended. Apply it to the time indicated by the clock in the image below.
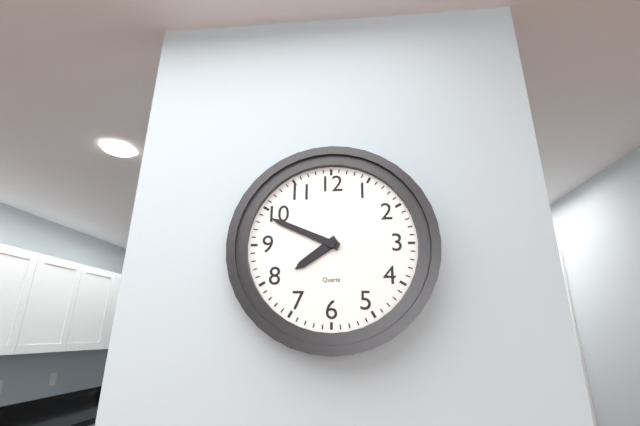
h=7 m=49
